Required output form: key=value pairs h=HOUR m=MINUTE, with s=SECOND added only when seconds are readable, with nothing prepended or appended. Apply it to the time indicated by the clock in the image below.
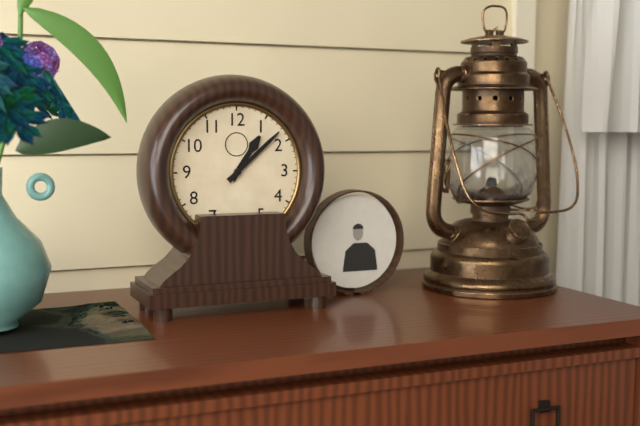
h=1 m=8
